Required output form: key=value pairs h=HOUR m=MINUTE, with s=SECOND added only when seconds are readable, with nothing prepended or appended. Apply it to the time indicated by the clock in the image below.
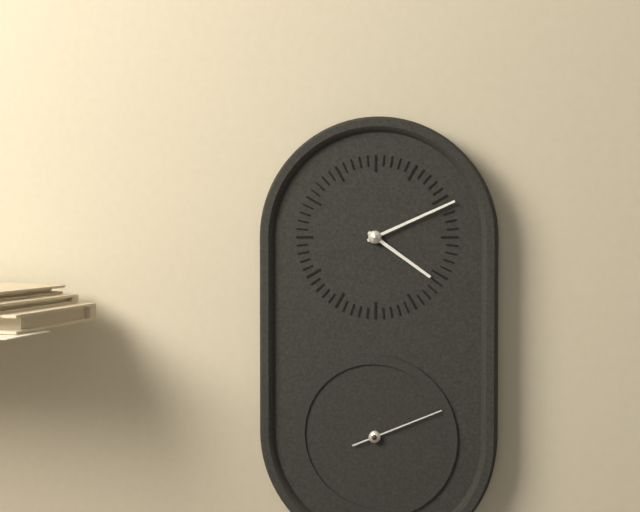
h=4 m=11 s=11
